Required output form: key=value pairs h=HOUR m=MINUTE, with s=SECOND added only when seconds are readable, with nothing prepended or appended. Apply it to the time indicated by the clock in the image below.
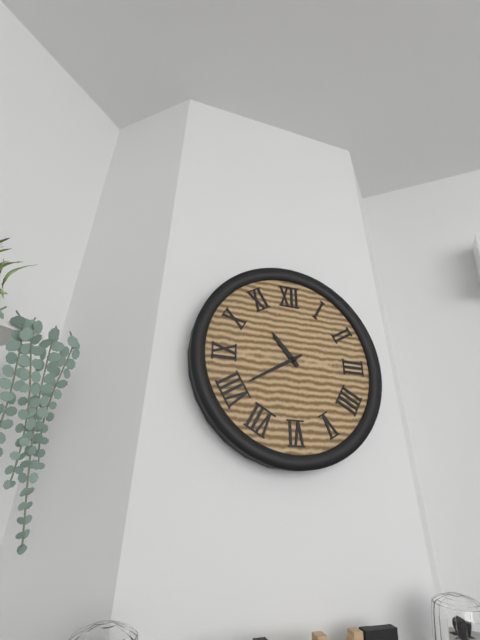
h=10 m=40
